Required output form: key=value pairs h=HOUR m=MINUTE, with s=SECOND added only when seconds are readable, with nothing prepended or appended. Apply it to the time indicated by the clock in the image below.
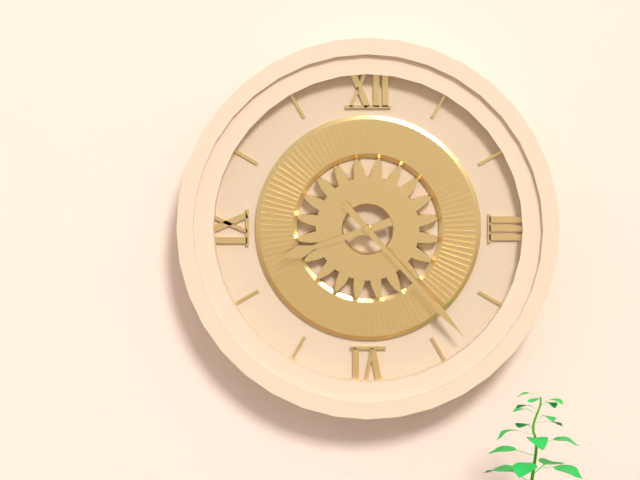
h=8 m=23
